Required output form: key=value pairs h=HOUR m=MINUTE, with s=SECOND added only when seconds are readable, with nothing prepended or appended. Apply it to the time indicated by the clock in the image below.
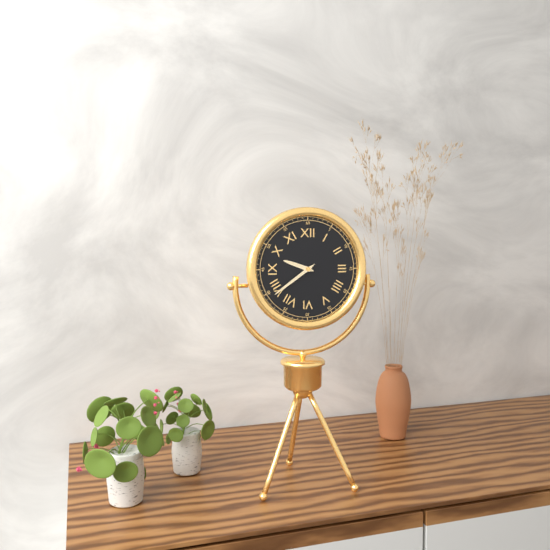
h=9 m=39
